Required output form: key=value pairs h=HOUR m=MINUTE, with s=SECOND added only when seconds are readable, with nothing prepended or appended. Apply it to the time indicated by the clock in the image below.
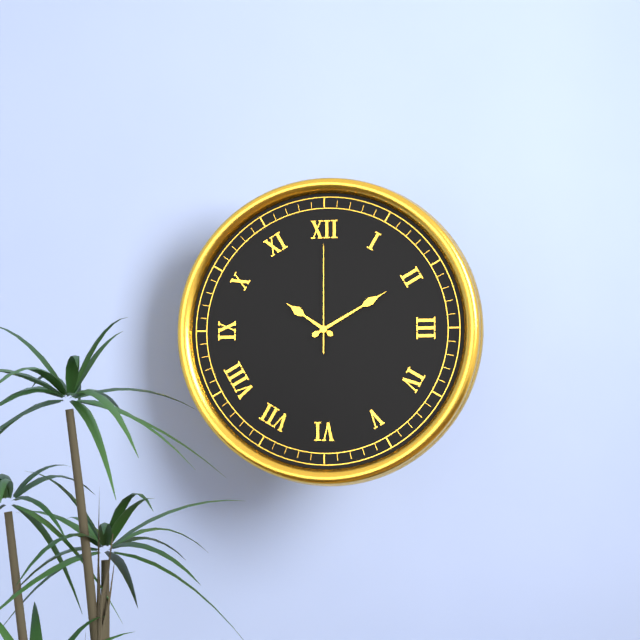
h=10 m=10 s=0
